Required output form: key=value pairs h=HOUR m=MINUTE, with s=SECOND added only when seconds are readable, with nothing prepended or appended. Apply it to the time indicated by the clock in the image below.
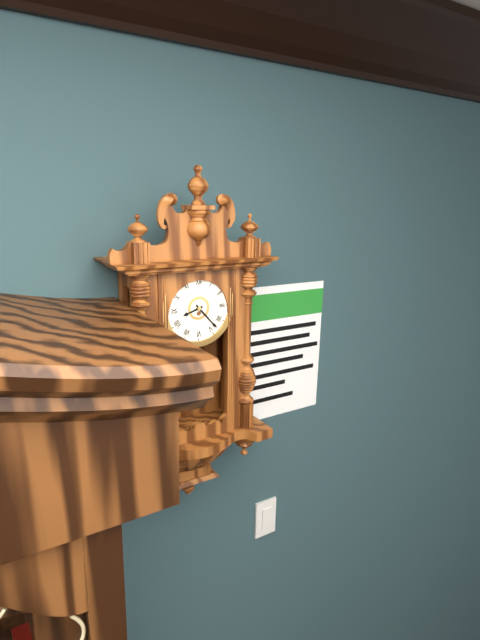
h=8 m=23
